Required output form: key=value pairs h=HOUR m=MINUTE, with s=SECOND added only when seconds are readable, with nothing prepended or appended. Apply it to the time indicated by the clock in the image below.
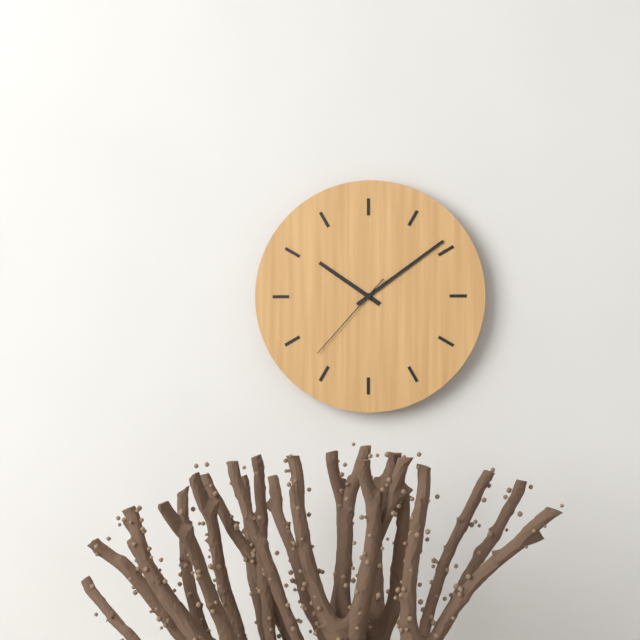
h=10 m=9 s=37
